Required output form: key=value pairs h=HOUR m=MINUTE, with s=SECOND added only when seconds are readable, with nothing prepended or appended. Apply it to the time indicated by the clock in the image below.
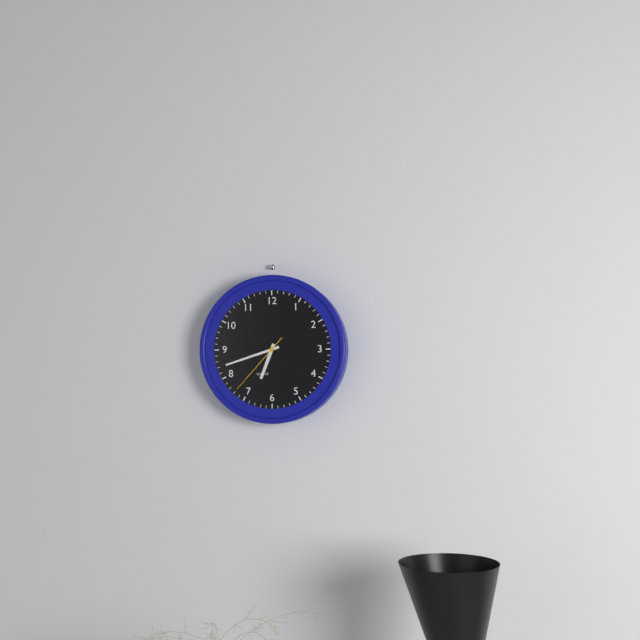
h=6 m=42 s=37
